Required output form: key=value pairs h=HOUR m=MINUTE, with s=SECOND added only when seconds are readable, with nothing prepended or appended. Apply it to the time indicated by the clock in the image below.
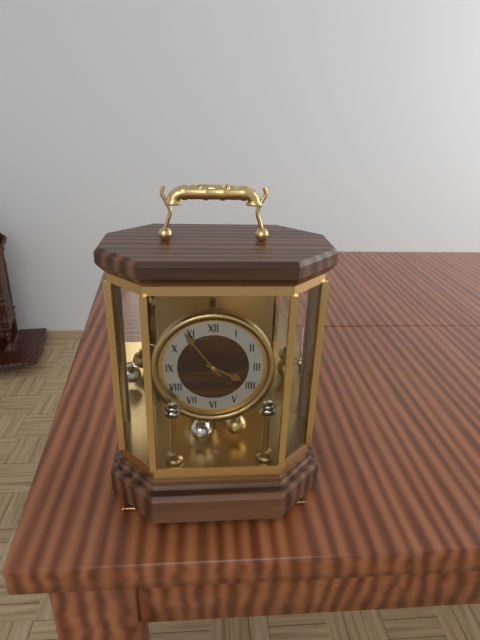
h=3 m=54
